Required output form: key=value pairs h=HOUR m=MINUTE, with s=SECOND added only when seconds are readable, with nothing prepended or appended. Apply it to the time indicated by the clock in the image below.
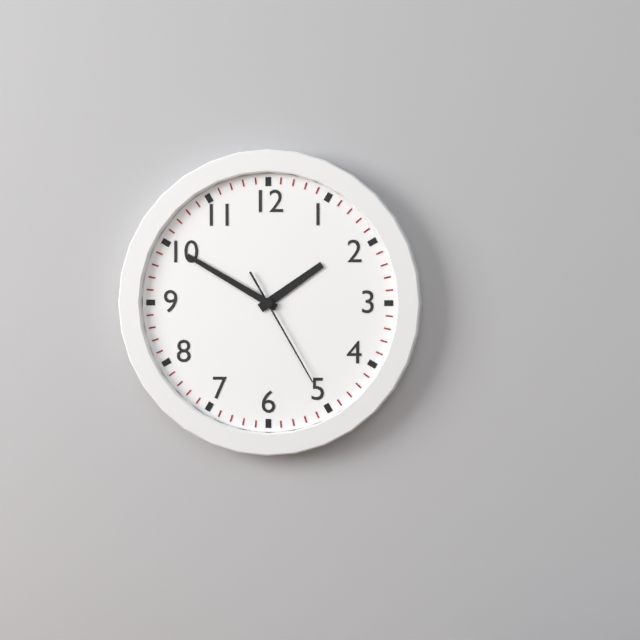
h=1 m=50 s=25
